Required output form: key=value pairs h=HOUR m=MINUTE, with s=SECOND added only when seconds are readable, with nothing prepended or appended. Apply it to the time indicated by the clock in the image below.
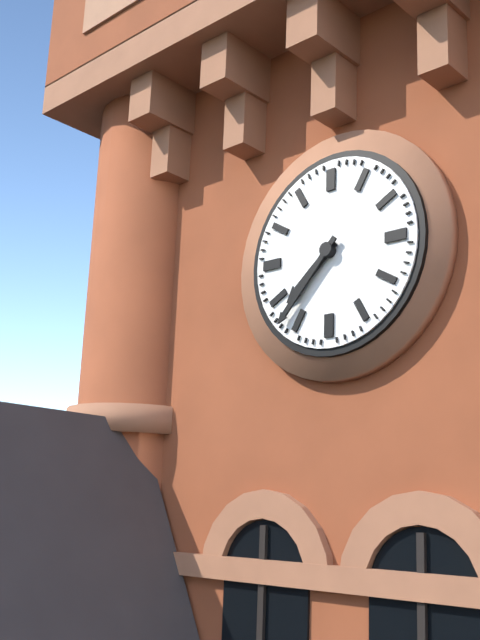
h=7 m=37
